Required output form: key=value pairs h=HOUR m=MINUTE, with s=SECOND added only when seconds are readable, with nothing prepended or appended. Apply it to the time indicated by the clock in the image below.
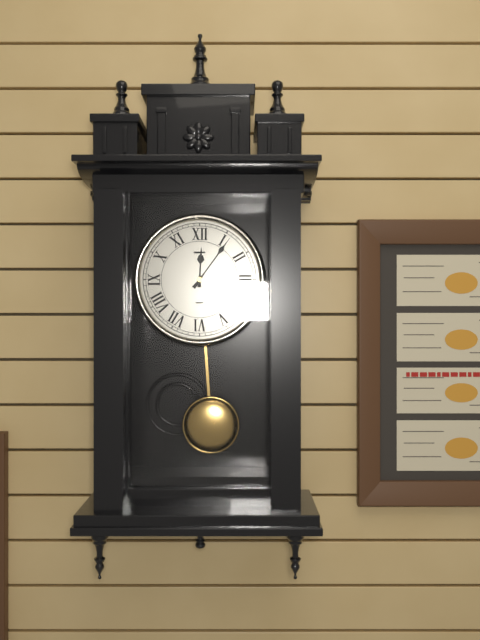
h=12 m=6
